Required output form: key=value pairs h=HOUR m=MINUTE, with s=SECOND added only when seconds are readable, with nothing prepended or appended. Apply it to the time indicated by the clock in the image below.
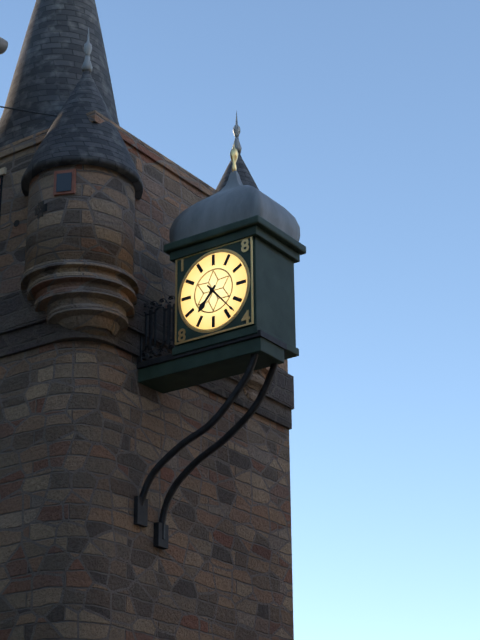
h=7 m=23
